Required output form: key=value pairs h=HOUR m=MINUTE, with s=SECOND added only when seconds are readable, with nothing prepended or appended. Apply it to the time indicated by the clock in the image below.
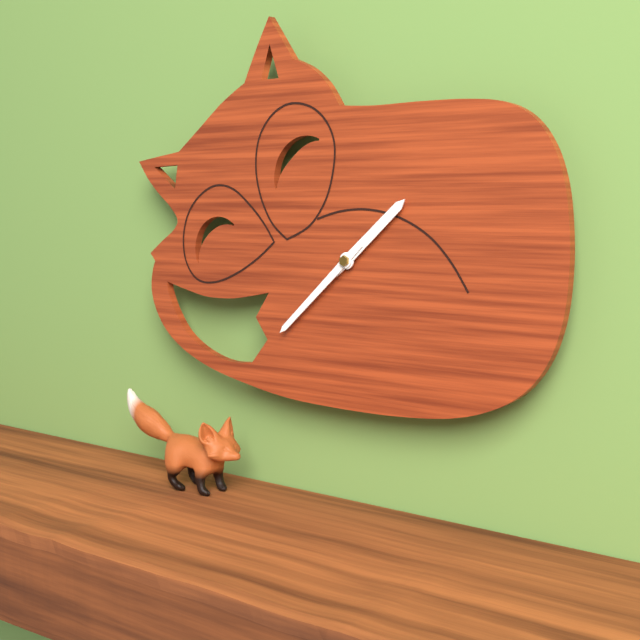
h=1 m=38
